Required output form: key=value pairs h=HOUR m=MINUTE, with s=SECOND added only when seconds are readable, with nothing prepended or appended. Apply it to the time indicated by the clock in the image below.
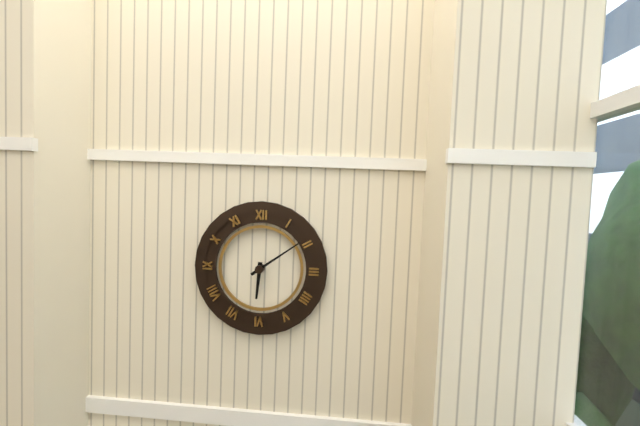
h=6 m=9
